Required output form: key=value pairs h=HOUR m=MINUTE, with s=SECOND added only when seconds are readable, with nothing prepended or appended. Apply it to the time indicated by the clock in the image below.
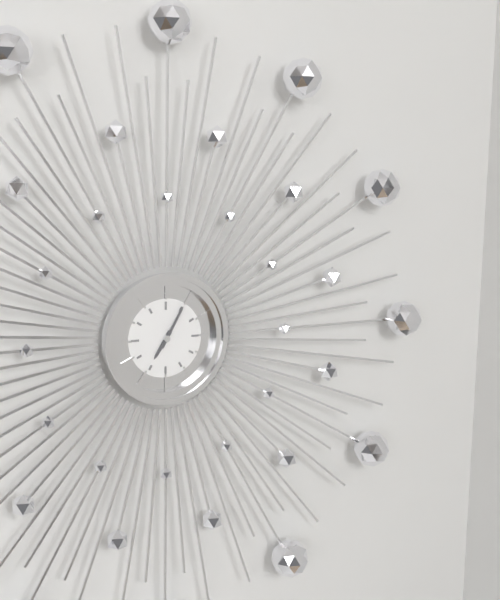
h=7 m=5
